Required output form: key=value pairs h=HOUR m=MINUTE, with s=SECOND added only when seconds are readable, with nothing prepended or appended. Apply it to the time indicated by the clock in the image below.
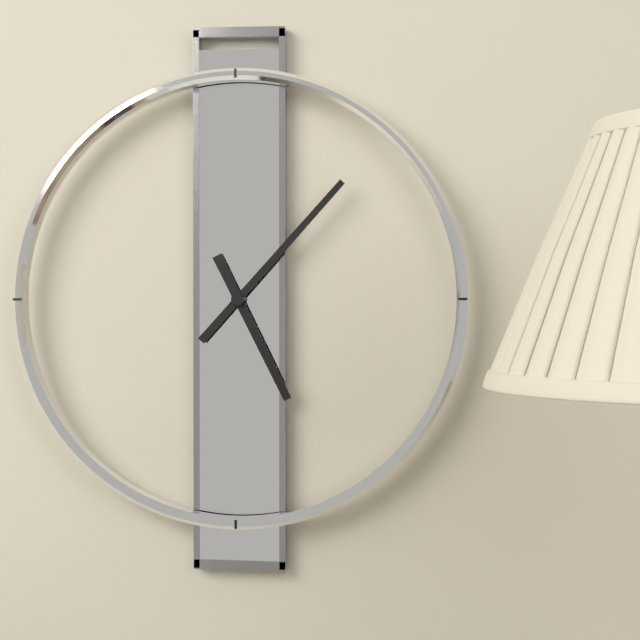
h=5 m=7
